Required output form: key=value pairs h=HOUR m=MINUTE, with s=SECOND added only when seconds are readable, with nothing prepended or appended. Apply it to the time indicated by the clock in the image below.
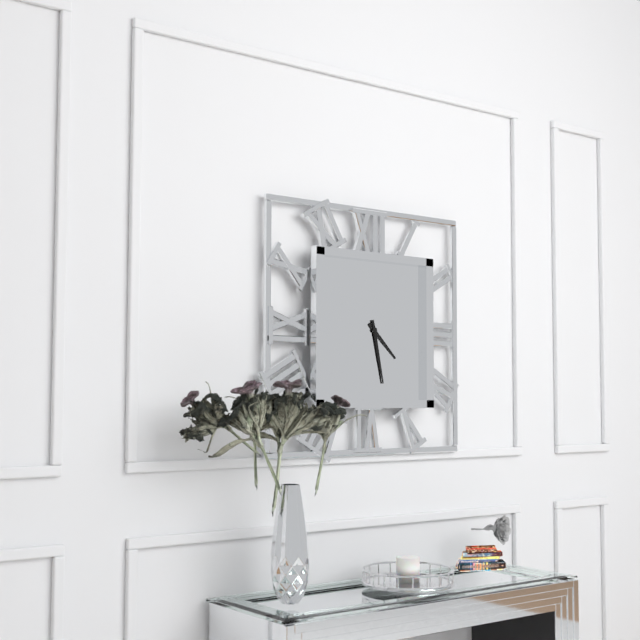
h=4 m=28
